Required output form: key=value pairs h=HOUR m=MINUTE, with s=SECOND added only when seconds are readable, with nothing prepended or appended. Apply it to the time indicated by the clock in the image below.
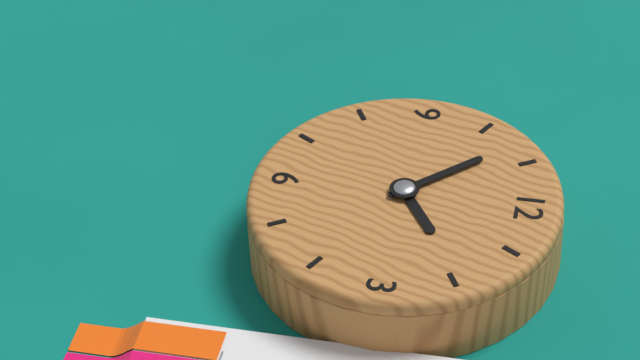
h=1 m=53
